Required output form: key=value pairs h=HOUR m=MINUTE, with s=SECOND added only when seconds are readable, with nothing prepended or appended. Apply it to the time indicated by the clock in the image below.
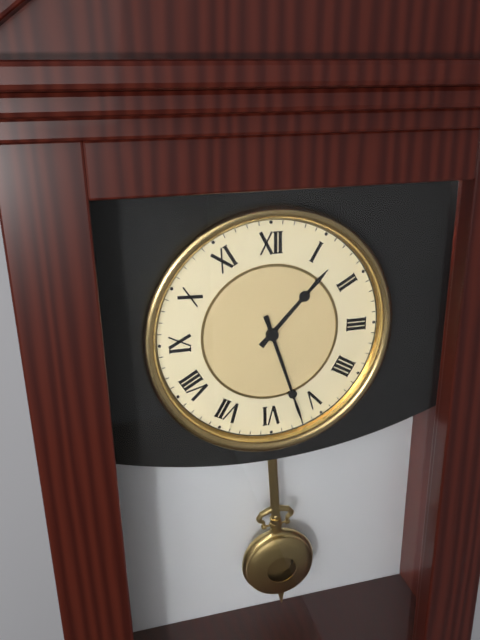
h=1 m=27
